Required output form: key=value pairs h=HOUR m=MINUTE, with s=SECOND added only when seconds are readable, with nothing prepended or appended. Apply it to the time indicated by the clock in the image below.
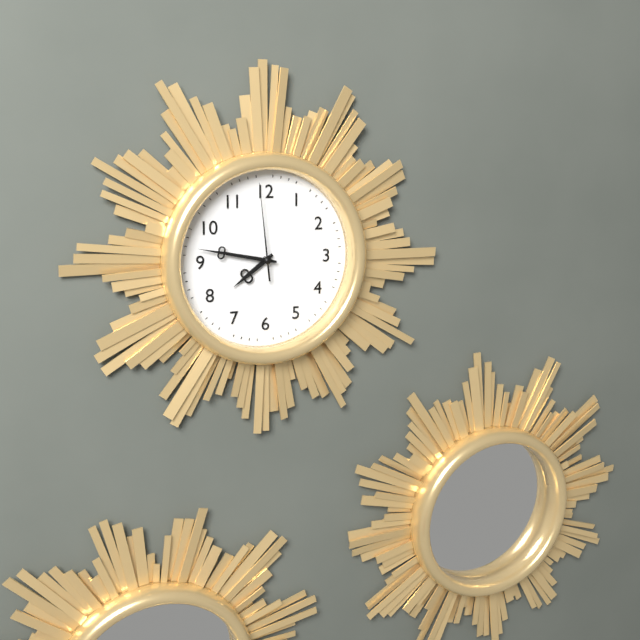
h=7 m=47 s=59
